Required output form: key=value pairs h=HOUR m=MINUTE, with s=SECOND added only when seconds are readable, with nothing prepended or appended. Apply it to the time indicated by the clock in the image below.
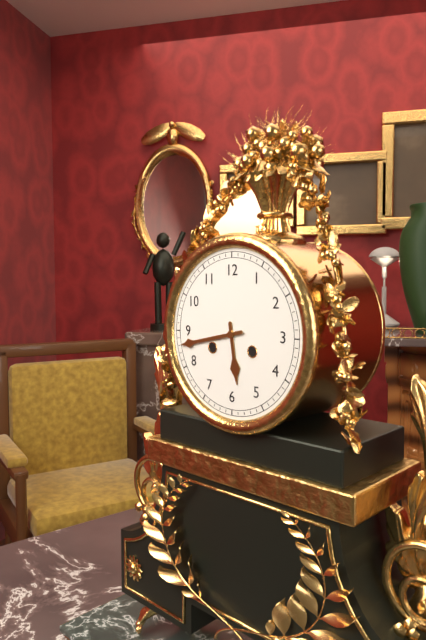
h=5 m=43
